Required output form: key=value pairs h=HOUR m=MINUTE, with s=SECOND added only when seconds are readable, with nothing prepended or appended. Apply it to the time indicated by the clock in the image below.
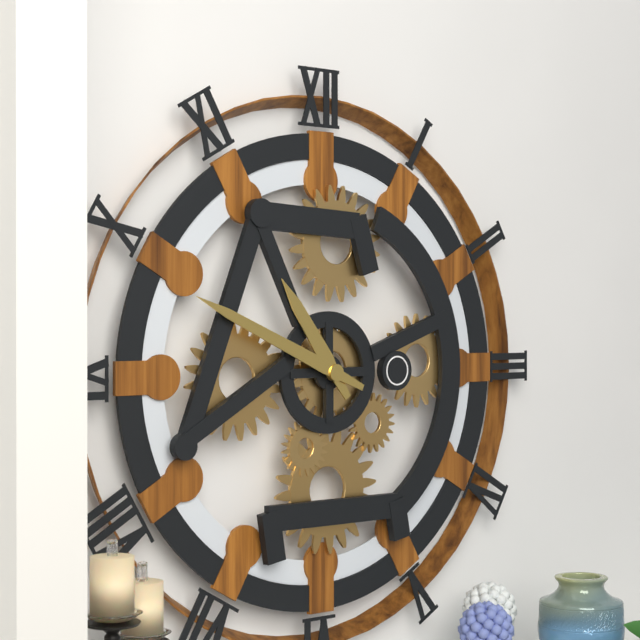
h=10 m=49
